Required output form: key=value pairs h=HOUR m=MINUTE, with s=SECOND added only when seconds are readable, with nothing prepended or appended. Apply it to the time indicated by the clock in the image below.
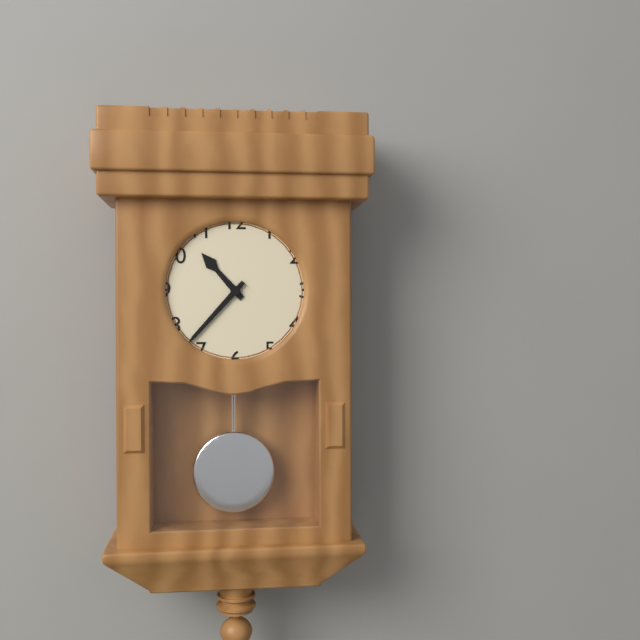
h=10 m=37
